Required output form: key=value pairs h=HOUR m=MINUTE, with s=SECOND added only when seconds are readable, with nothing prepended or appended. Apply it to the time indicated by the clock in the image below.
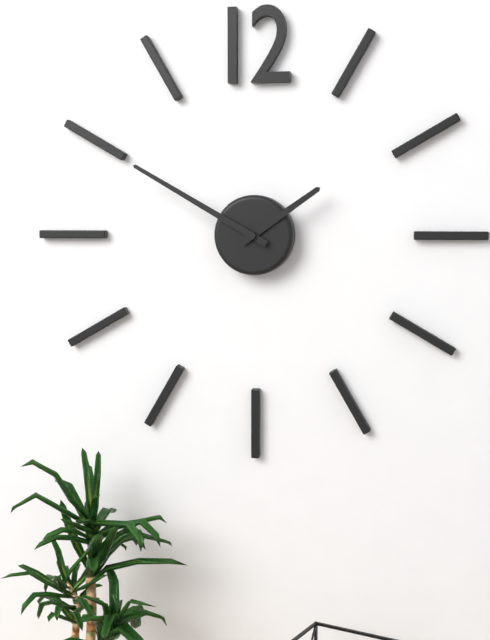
h=1 m=50
